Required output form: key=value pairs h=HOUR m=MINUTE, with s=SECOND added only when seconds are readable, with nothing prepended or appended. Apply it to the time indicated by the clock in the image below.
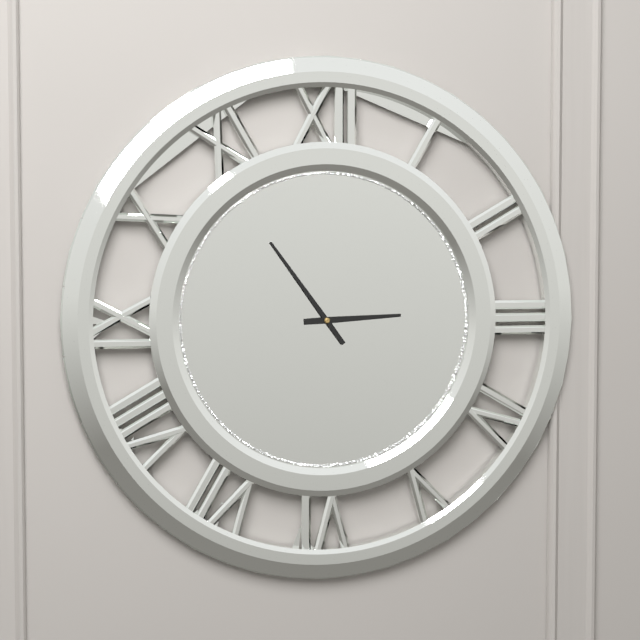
h=2 m=54
